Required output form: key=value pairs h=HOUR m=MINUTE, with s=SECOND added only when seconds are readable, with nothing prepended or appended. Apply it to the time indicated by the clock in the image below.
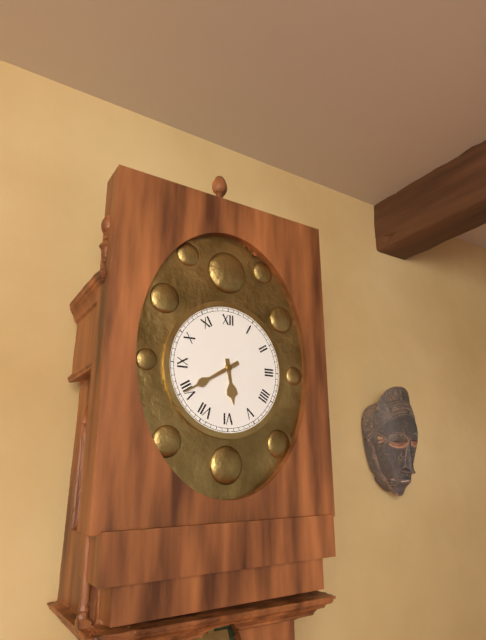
h=5 m=40
